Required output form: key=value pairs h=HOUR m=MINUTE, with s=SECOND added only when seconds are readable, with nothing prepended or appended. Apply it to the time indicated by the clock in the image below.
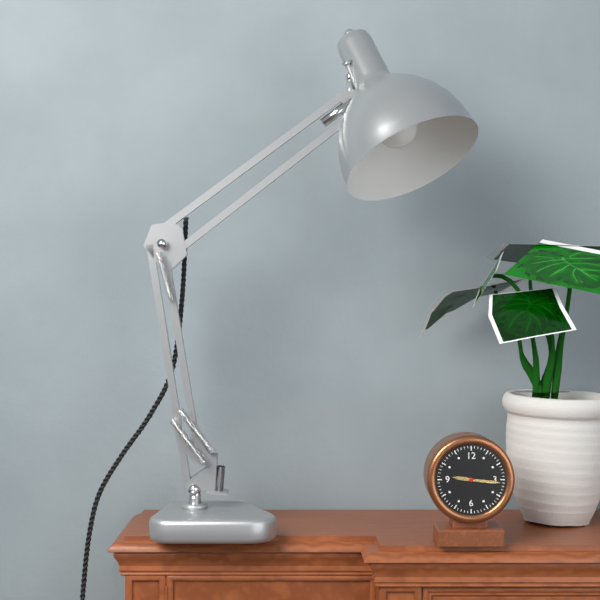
h=9 m=16
